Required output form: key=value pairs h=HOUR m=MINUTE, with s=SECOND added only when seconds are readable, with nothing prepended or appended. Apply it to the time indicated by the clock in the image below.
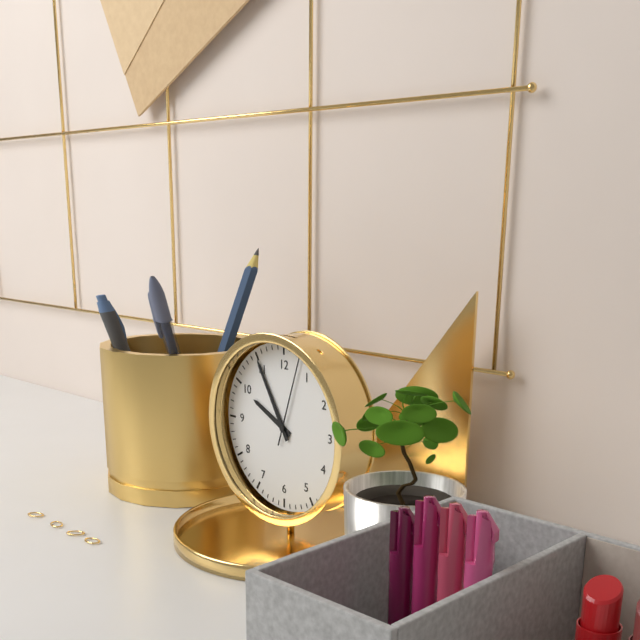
h=9 m=55 s=3
